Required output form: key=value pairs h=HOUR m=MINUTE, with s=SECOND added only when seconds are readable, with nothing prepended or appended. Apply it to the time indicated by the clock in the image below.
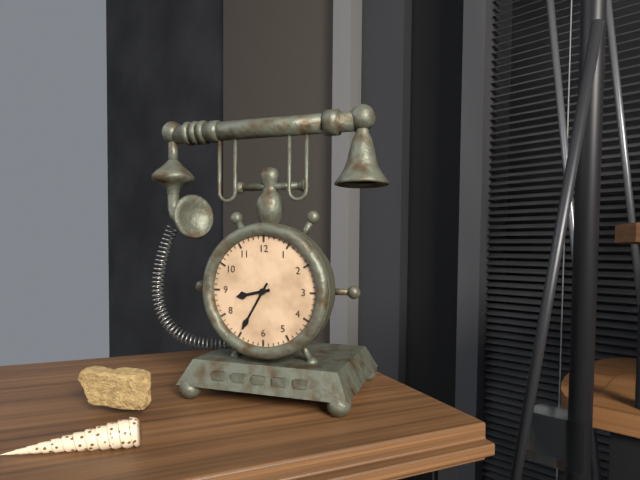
h=8 m=35
